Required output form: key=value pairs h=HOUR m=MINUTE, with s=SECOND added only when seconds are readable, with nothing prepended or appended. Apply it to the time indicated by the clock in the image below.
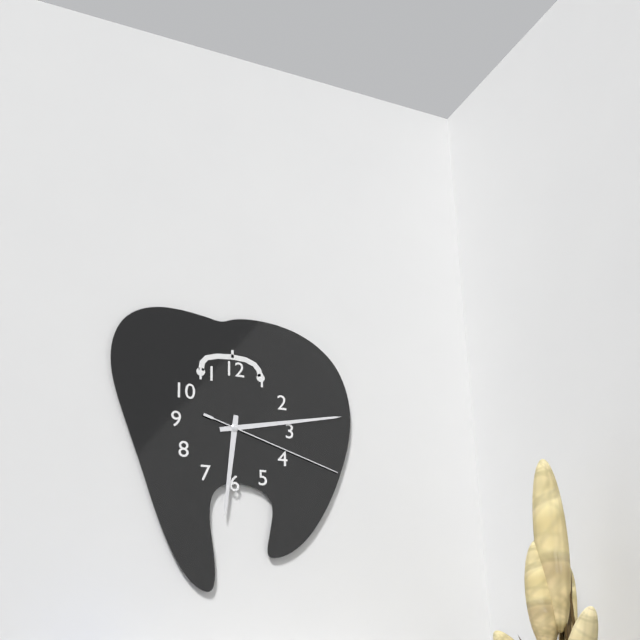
h=6 m=13 s=18
